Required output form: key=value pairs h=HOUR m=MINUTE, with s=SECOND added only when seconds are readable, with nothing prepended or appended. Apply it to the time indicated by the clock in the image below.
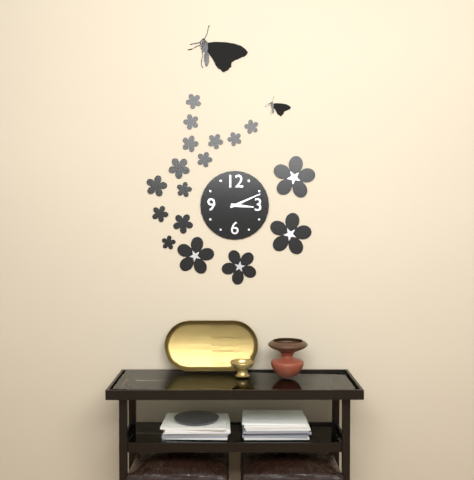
h=3 m=11
